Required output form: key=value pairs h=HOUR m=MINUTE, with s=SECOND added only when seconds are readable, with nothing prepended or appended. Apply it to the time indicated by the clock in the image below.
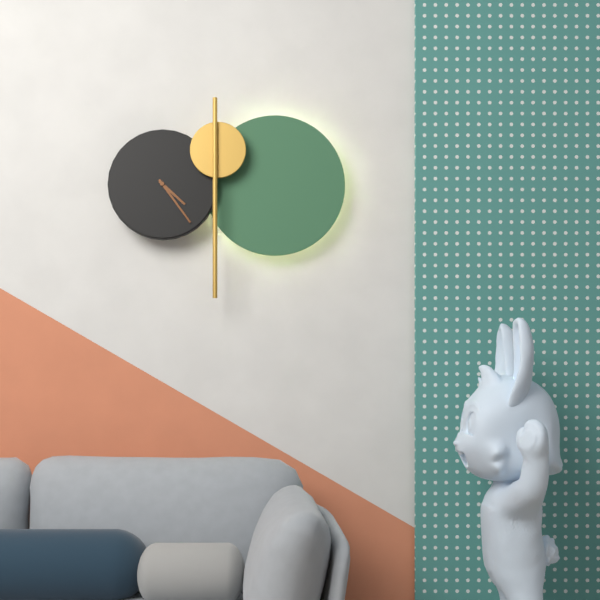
h=4 m=24
